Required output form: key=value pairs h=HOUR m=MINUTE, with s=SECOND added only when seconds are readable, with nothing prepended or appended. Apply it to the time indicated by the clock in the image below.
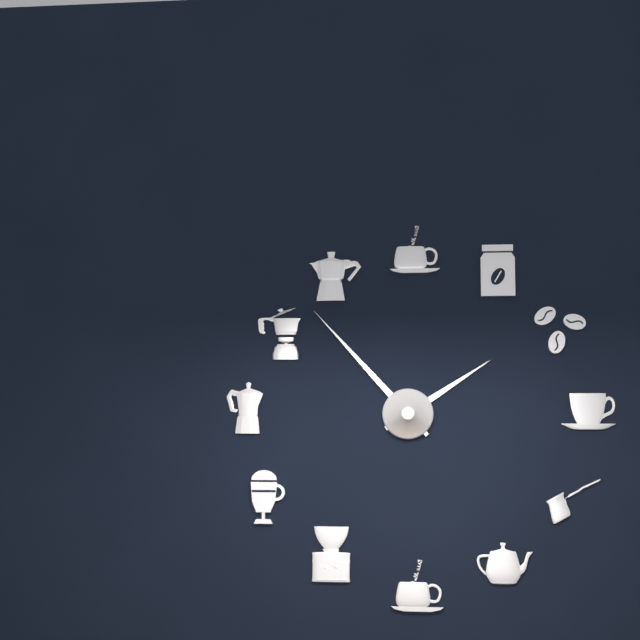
h=1 m=53
